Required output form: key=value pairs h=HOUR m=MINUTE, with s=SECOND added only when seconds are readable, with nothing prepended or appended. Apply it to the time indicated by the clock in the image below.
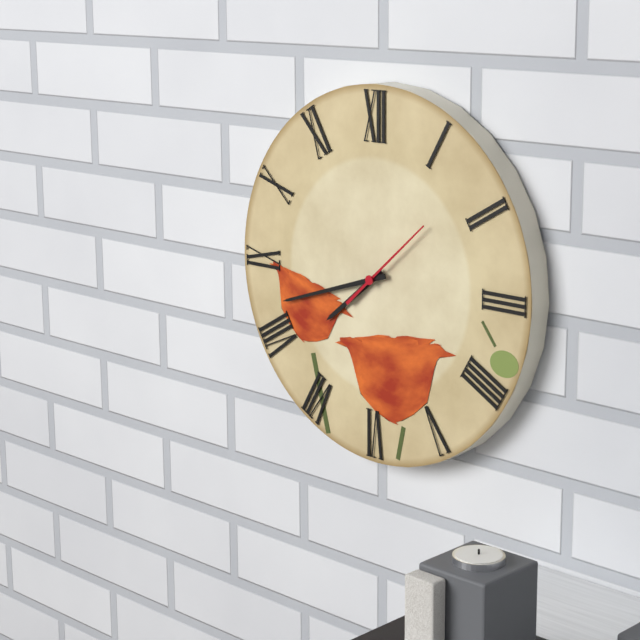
h=7 m=42 s=8
